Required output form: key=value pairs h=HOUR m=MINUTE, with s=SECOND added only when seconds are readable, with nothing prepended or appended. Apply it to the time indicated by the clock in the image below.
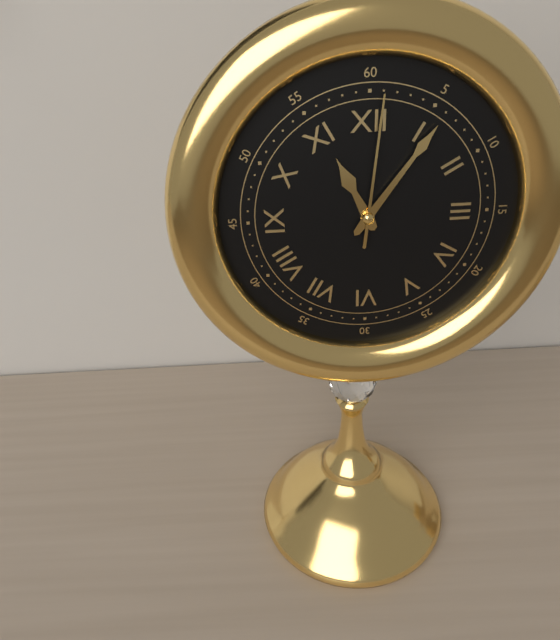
h=11 m=6 s=1
